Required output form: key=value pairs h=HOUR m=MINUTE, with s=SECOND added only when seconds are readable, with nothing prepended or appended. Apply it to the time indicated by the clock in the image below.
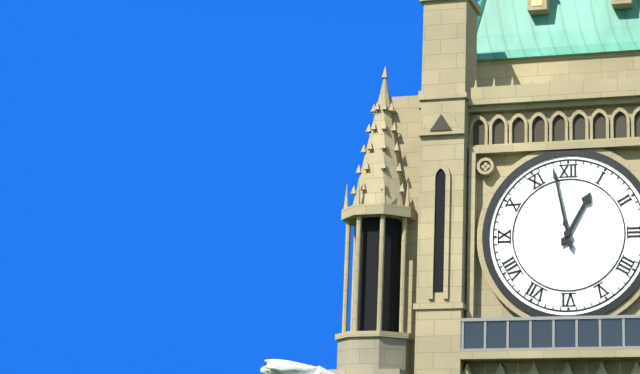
h=12 m=58
